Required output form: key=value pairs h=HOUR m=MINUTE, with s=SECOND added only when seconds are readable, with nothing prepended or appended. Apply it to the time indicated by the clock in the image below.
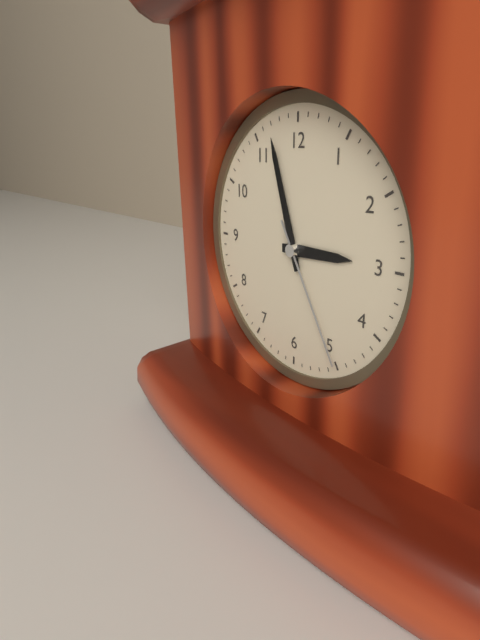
h=2 m=57 s=25
